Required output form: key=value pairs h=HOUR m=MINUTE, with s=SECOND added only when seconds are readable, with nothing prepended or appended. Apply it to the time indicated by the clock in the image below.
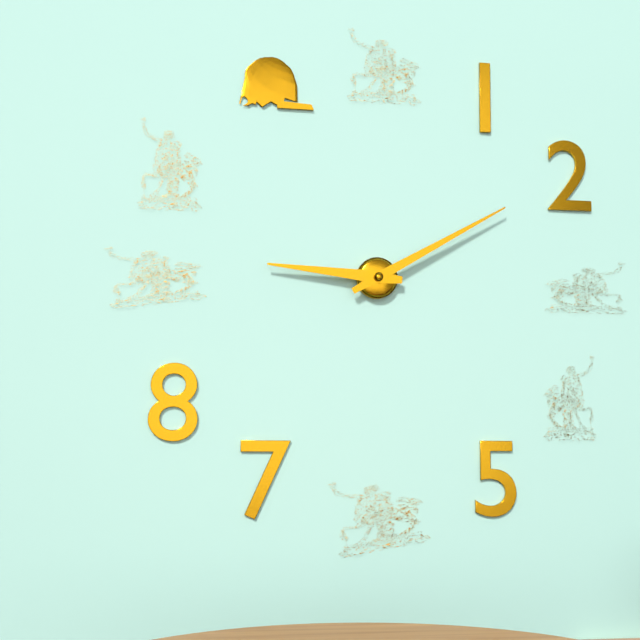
h=9 m=10
